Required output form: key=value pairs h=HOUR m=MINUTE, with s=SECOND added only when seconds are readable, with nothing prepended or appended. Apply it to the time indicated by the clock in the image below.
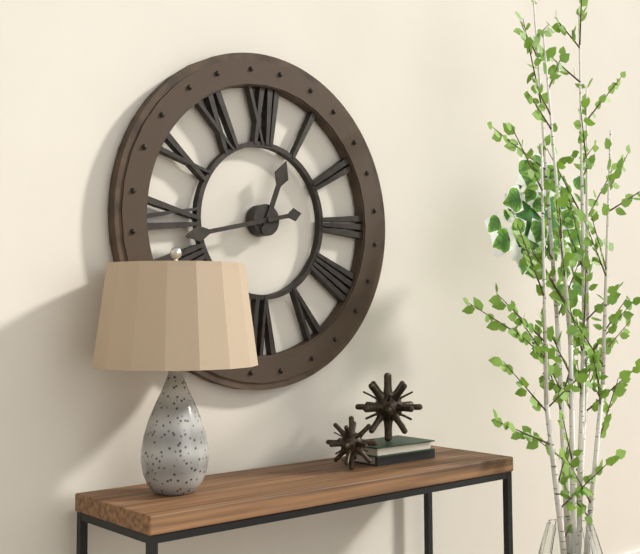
h=12 m=43
